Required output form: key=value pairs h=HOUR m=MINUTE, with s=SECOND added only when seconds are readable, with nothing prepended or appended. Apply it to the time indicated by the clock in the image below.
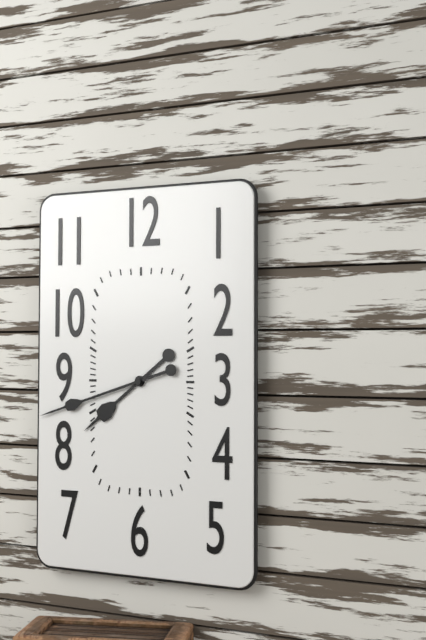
h=7 m=42
